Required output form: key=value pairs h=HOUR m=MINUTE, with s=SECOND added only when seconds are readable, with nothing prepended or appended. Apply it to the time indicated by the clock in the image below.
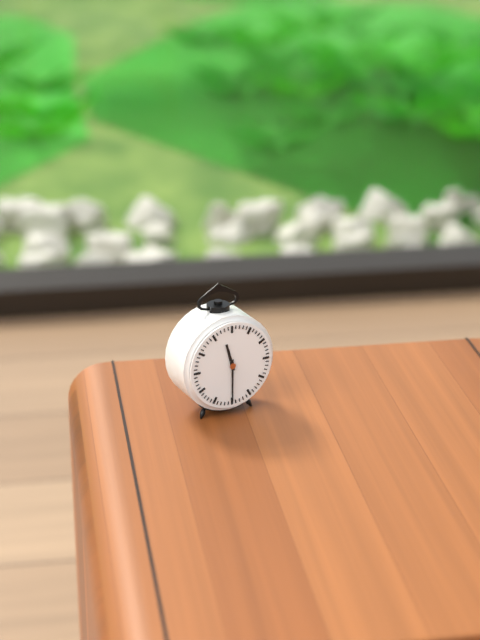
h=11 m=30
